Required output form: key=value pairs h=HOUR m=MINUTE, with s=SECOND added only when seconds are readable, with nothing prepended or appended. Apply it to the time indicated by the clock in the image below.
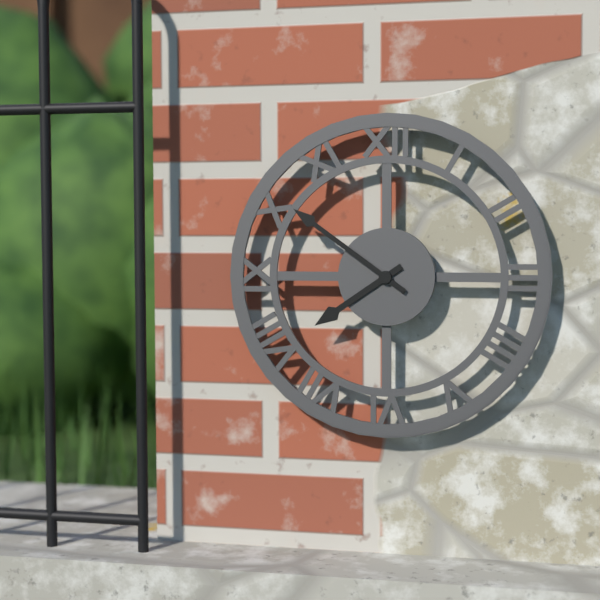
h=7 m=51
